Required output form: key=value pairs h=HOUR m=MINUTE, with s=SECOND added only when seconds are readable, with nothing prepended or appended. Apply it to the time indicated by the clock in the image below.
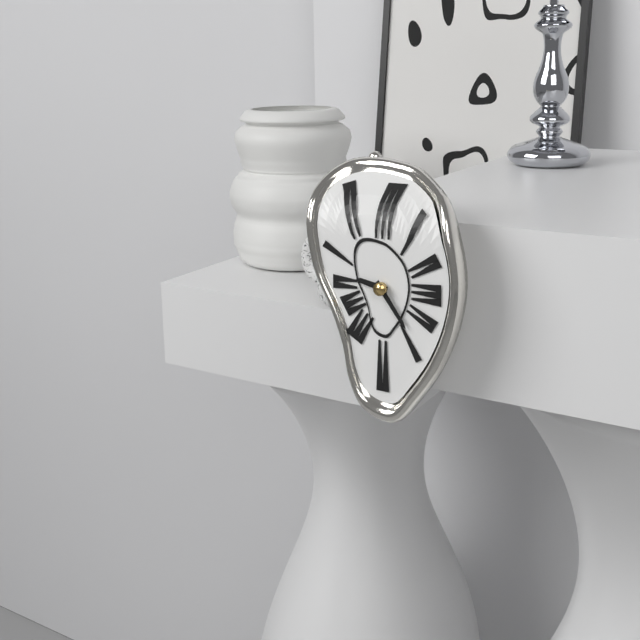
h=9 m=24
